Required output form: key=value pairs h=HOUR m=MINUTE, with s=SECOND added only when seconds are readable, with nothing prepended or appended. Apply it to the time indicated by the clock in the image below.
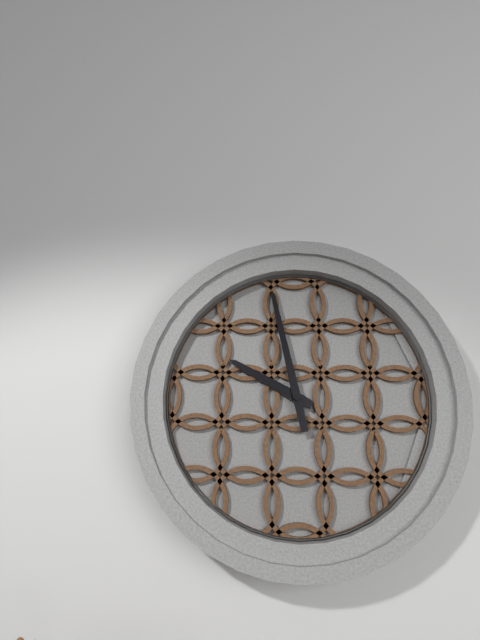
h=9 m=58
